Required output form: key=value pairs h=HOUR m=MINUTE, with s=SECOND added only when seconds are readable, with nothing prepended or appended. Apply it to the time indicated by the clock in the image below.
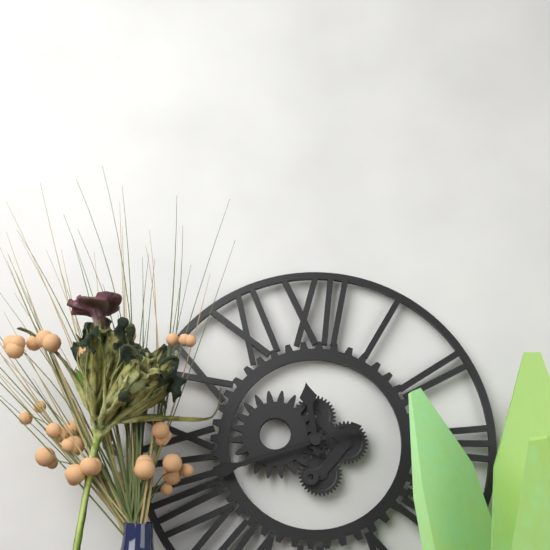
h=11 m=42
